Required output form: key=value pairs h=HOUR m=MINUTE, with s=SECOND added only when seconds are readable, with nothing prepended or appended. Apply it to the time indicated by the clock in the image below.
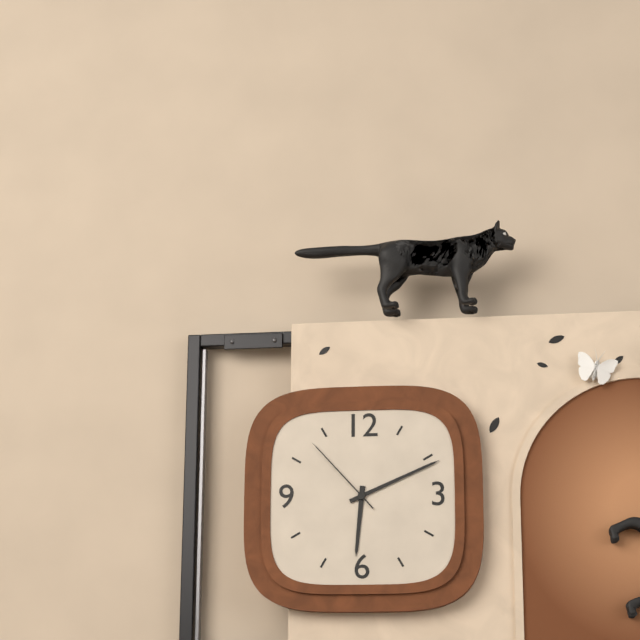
h=6 m=11 s=53
